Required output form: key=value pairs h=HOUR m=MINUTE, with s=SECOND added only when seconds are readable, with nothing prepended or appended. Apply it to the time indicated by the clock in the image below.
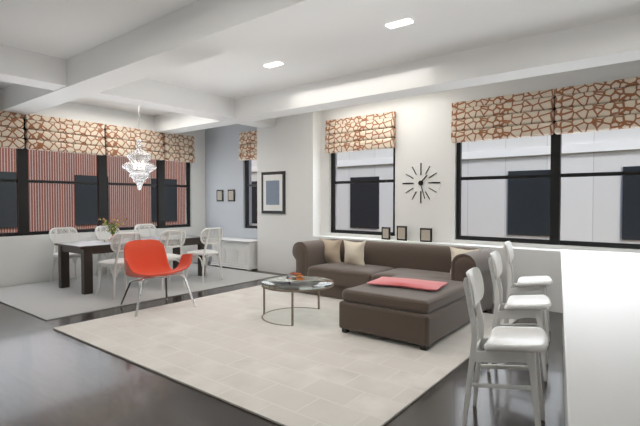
h=1 m=27
